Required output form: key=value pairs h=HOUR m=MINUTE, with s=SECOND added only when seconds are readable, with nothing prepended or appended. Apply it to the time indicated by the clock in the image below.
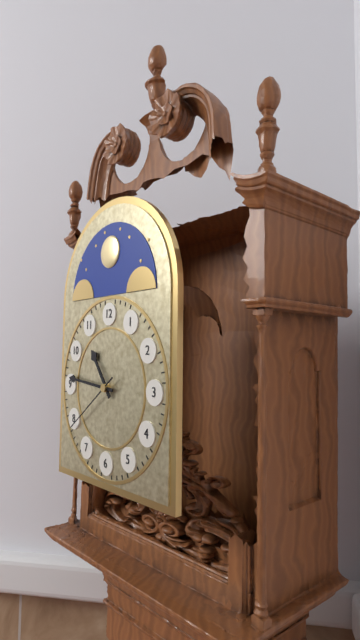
h=10 m=46 s=39
